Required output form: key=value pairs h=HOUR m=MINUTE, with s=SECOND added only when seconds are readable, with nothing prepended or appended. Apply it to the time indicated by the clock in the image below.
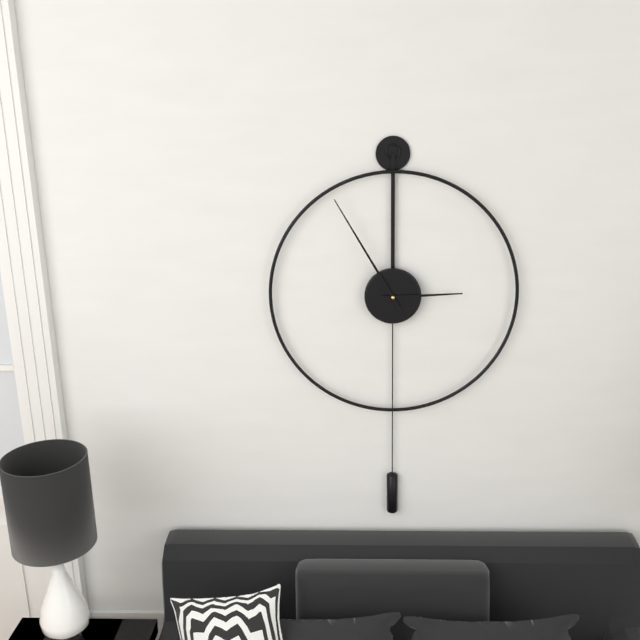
h=2 m=55
